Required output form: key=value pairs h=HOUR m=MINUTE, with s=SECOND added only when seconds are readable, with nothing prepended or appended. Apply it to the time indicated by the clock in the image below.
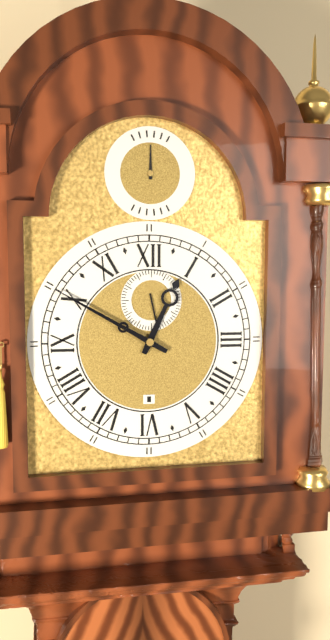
h=12 m=50
